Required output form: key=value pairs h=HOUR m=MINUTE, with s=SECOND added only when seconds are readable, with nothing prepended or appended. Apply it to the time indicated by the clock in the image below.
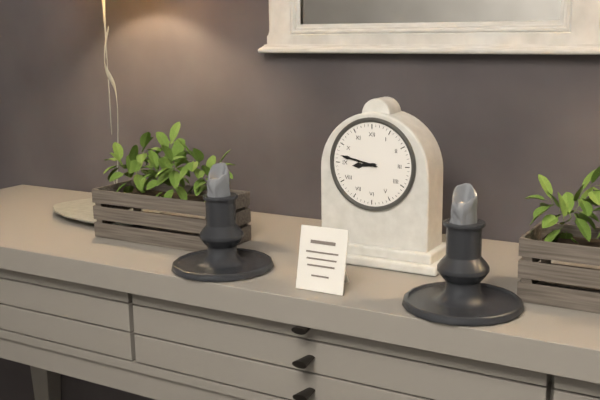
h=8 m=47
